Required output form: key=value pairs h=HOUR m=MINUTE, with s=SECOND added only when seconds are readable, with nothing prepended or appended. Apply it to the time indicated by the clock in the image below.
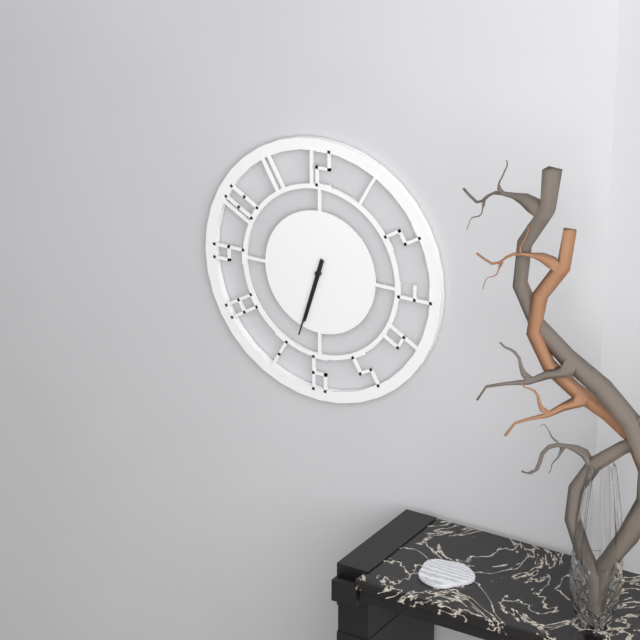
h=6 m=33
